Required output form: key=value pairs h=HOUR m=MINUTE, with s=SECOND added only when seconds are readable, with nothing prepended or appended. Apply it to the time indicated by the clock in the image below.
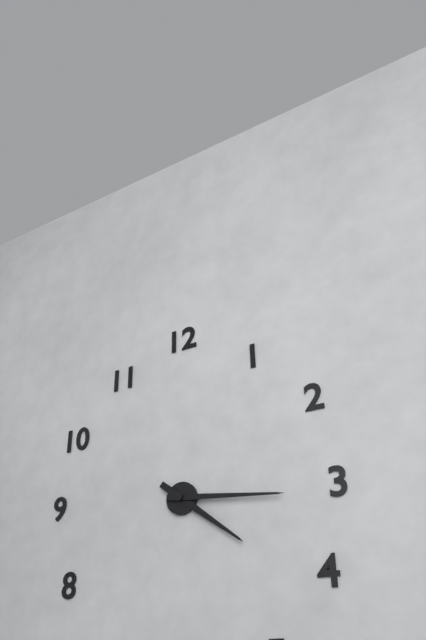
h=4 m=16
